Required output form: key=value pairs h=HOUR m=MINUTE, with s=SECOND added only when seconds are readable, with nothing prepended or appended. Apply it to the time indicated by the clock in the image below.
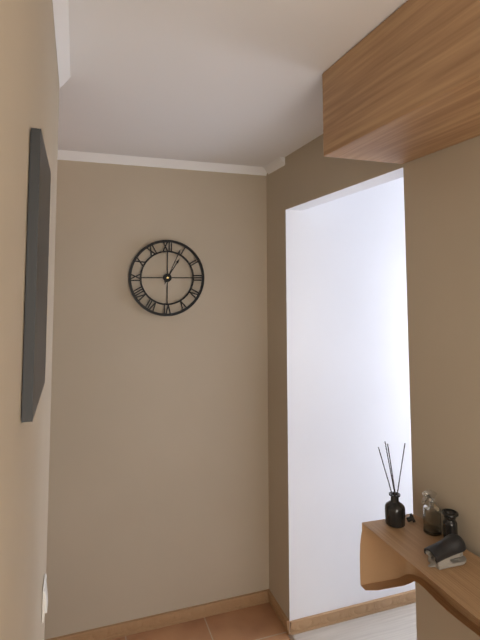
h=1 m=4
